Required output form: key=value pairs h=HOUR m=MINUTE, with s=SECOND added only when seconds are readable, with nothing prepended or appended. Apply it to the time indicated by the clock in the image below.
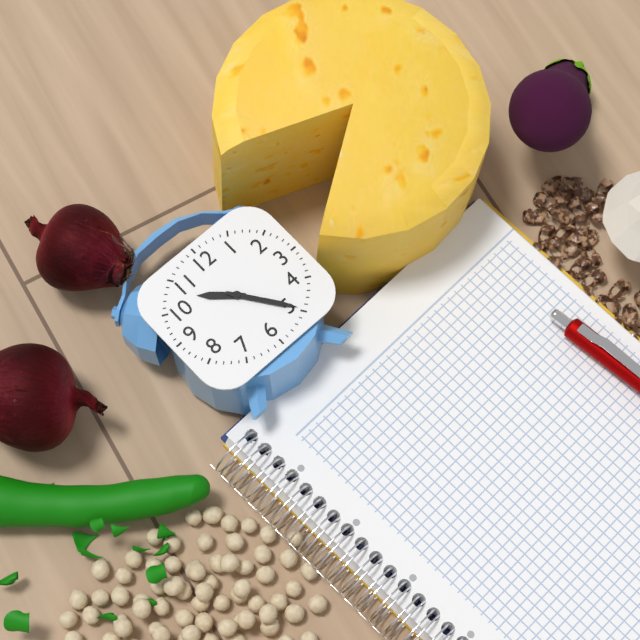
h=10 m=24
